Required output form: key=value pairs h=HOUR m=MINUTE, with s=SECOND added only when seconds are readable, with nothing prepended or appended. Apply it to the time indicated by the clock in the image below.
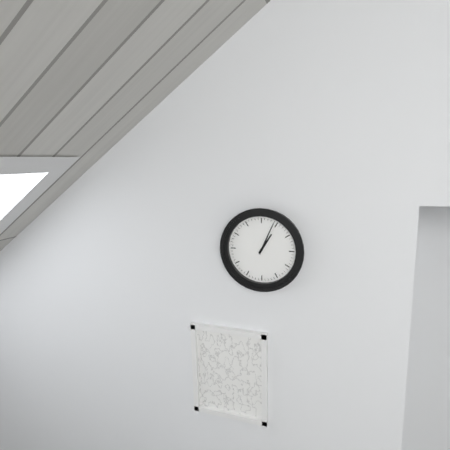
h=1 m=4
